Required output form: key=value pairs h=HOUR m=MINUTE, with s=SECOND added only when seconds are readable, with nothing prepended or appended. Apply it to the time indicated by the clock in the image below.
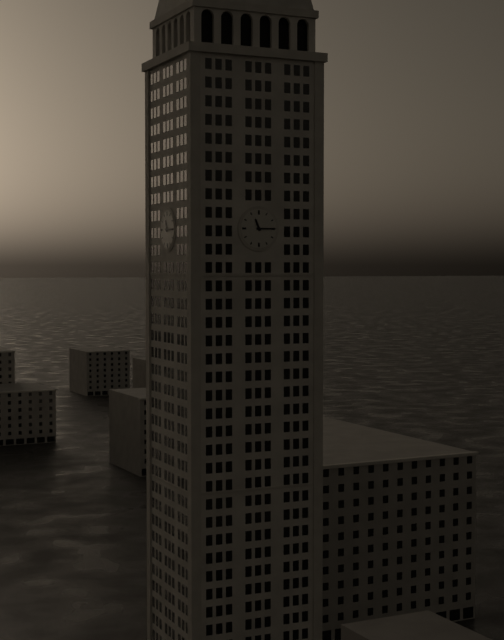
h=11 m=15
